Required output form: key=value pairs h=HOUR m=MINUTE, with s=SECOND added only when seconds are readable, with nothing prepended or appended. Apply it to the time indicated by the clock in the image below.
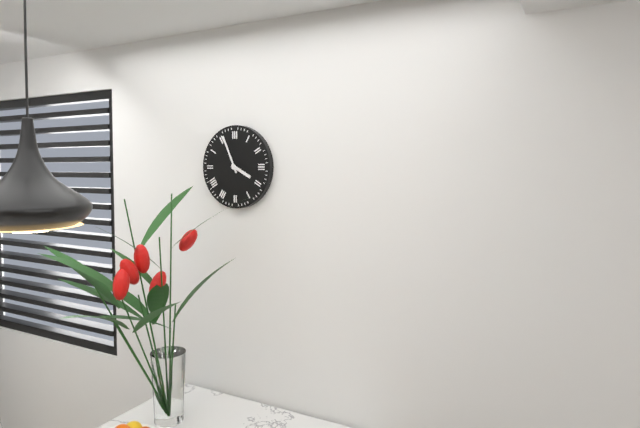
h=3 m=56
